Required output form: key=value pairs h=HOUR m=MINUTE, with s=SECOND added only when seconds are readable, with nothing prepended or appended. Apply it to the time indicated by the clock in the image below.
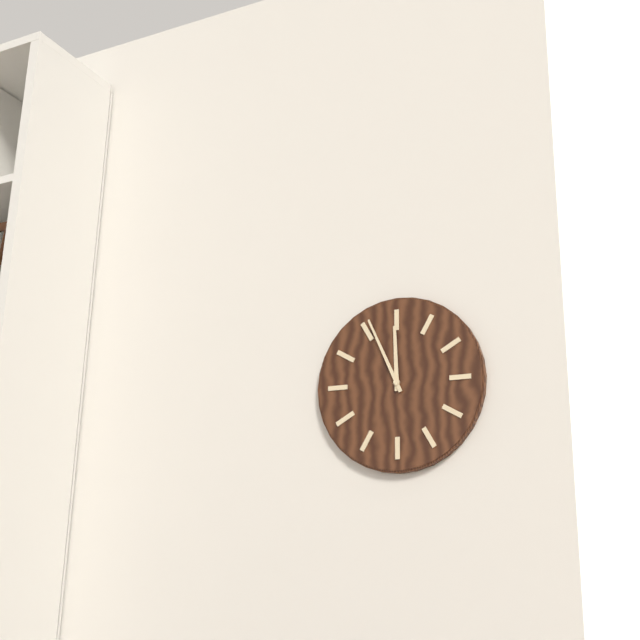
h=11 m=56
